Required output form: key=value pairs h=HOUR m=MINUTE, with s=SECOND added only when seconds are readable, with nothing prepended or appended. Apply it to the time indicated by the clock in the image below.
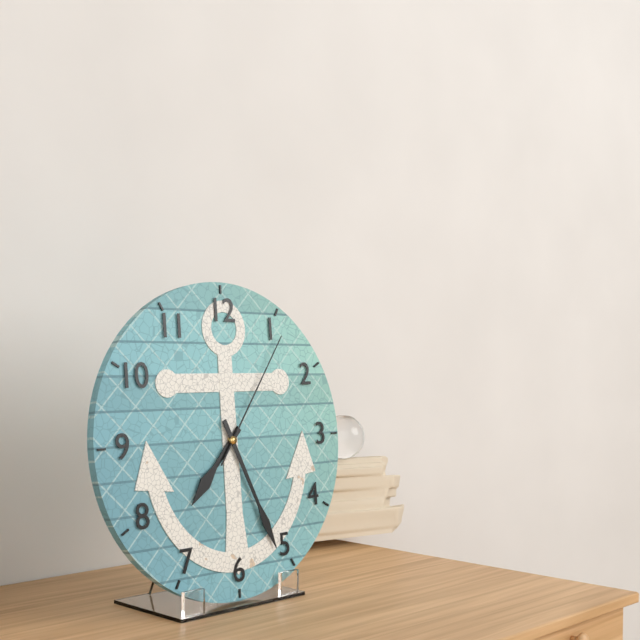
h=7 m=26 s=6
